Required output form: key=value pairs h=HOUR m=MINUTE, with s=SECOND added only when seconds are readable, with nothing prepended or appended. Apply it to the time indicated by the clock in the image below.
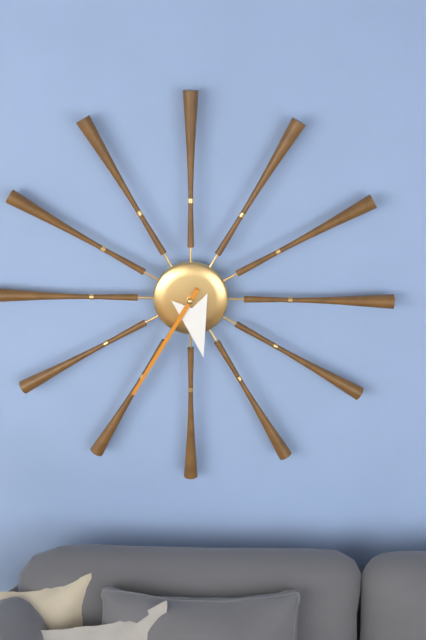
h=5 m=35
